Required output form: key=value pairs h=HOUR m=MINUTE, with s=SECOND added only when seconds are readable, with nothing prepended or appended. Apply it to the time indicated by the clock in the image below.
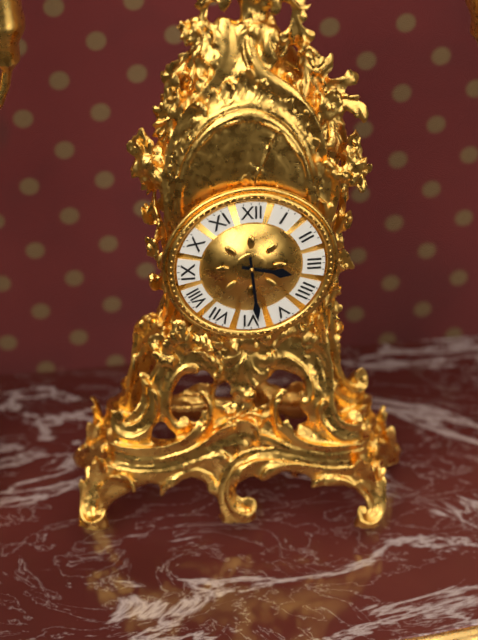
h=3 m=29
